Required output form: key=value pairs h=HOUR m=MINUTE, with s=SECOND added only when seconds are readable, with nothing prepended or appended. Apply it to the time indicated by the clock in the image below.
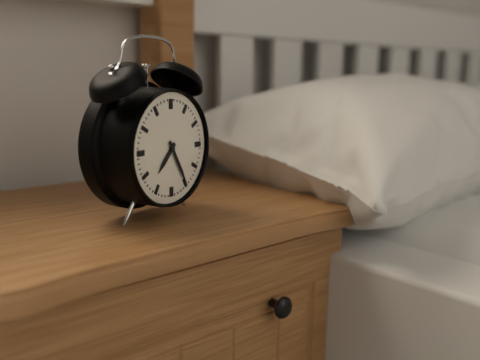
h=7 m=25
